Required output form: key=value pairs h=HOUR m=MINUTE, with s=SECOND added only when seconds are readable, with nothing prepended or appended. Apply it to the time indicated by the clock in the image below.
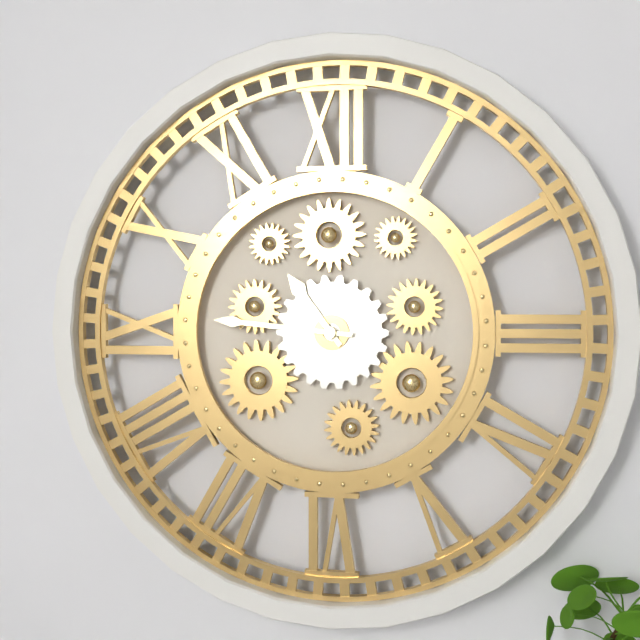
h=10 m=46
